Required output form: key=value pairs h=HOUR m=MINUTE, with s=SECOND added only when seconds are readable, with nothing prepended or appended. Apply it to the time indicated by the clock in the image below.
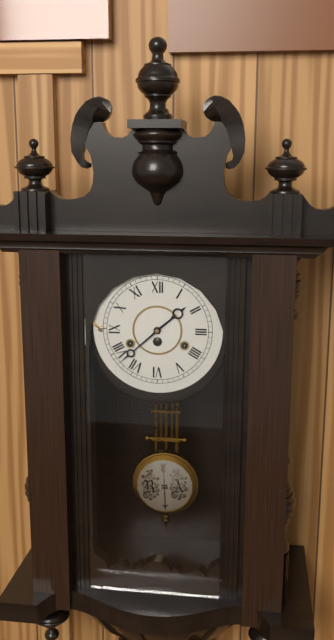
h=1 m=38
